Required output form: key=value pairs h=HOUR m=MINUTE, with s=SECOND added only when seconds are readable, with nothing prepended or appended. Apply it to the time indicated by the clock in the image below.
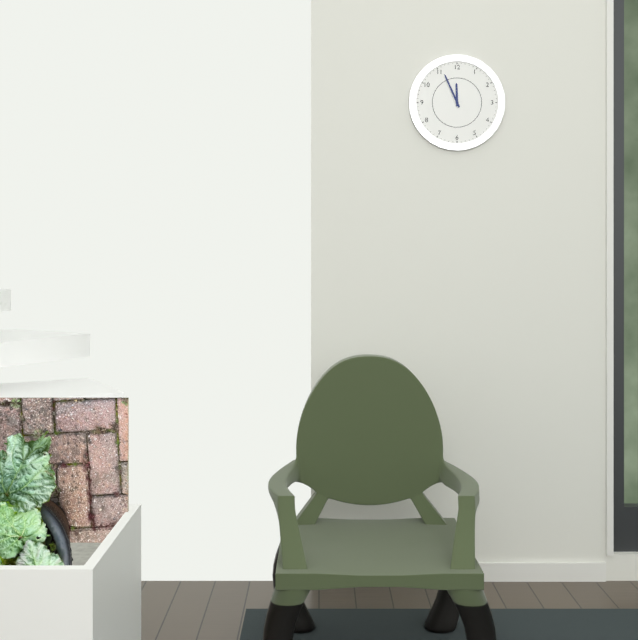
h=11 m=56
